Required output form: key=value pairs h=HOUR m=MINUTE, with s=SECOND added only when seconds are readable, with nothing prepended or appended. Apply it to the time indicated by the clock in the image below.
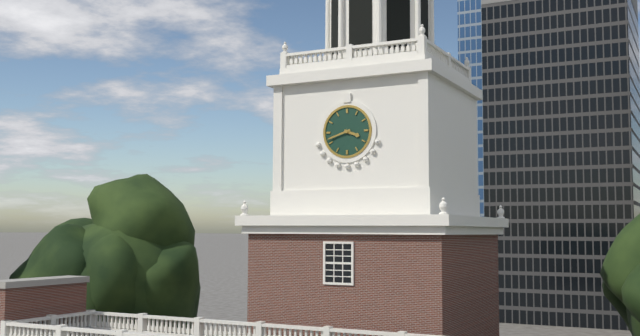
h=3 m=42
